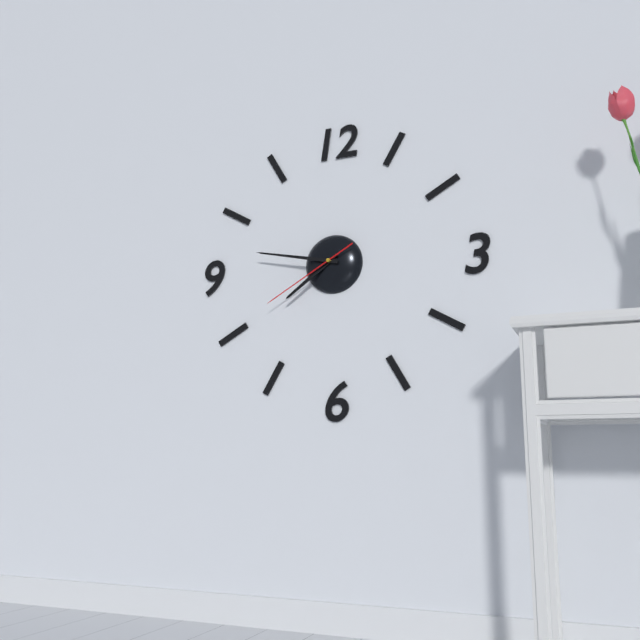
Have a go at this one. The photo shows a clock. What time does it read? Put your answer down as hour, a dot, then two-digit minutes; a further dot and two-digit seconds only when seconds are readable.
7.47.40
